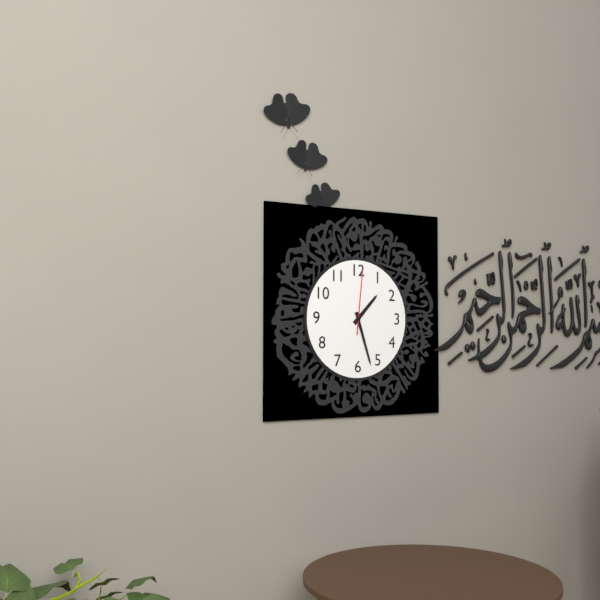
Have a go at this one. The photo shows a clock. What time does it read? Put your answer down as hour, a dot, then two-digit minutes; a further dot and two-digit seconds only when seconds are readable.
1.27.01
